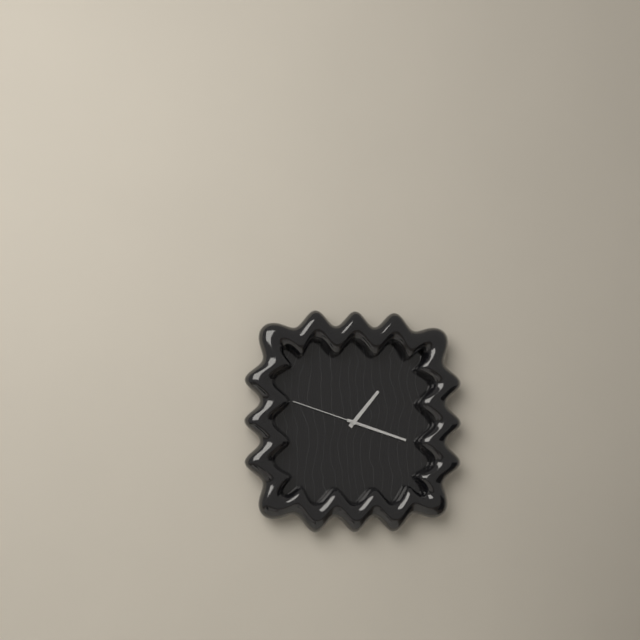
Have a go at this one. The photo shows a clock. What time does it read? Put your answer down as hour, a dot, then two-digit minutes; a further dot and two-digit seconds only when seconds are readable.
1.18.48
